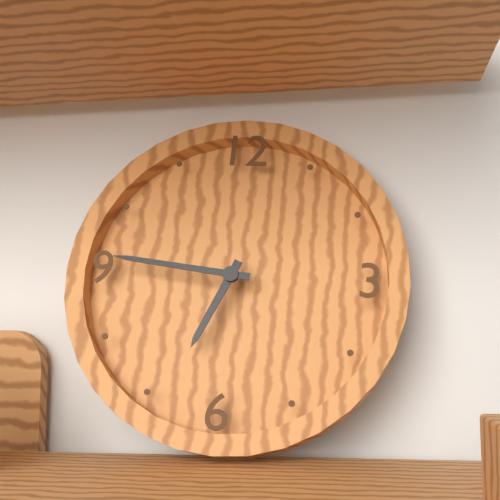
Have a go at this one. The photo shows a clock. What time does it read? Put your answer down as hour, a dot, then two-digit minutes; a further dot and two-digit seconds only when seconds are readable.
6.46
